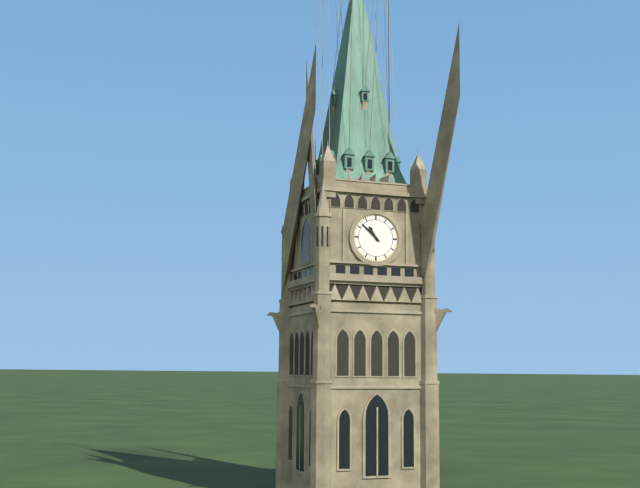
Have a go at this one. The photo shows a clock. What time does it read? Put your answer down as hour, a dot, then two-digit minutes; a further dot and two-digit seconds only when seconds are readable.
10.52
